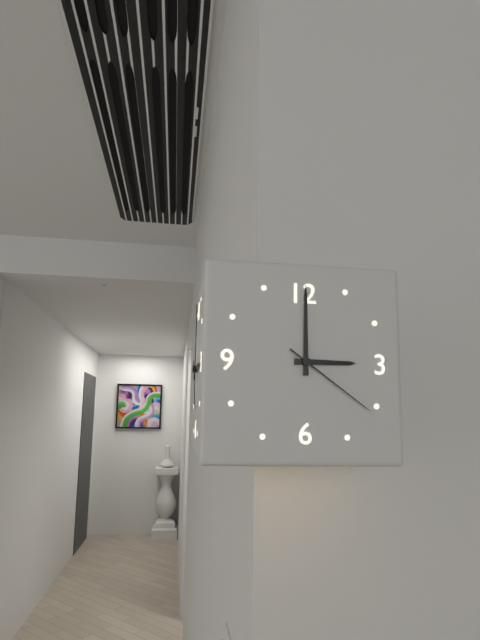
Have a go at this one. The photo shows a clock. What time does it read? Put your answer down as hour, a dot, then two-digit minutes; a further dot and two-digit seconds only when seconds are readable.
3.00.21
